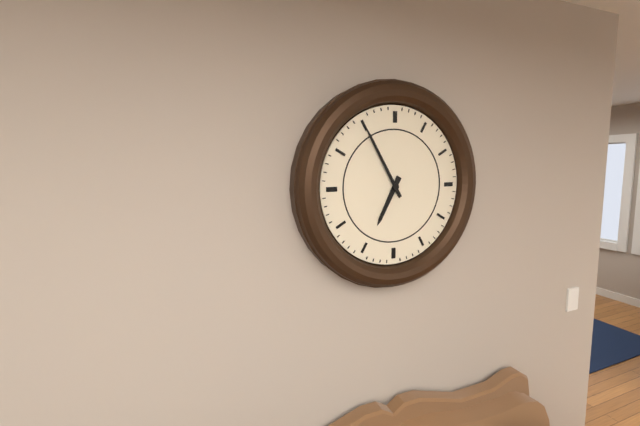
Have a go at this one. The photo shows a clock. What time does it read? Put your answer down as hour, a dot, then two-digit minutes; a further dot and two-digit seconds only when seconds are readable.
6.55
